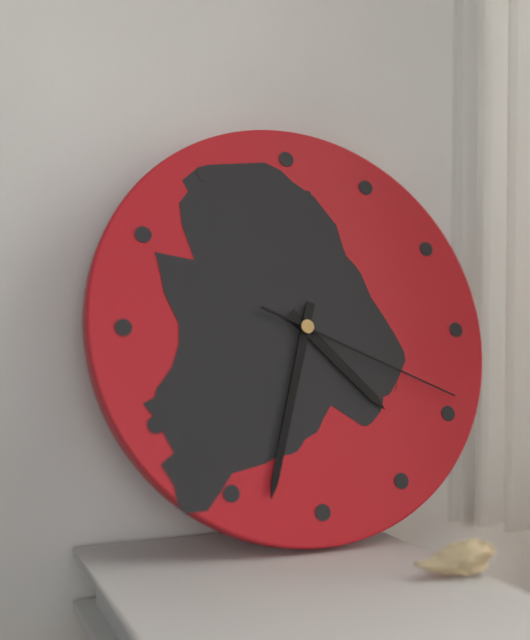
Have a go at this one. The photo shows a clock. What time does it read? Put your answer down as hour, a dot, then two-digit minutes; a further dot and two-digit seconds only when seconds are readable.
4.33.19
